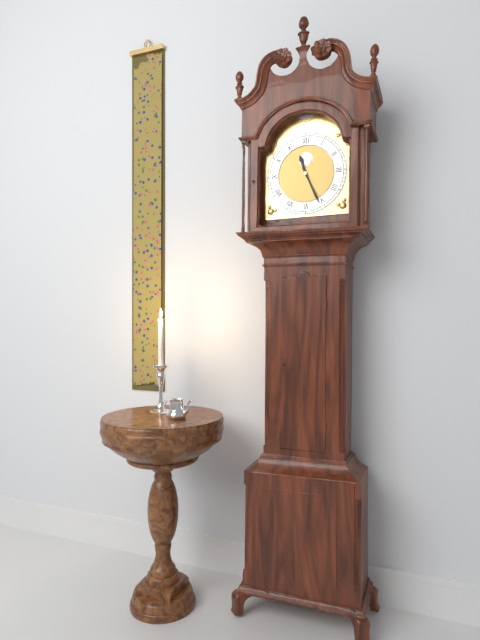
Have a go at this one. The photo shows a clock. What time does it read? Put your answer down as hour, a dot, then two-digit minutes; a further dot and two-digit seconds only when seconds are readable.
11.26
